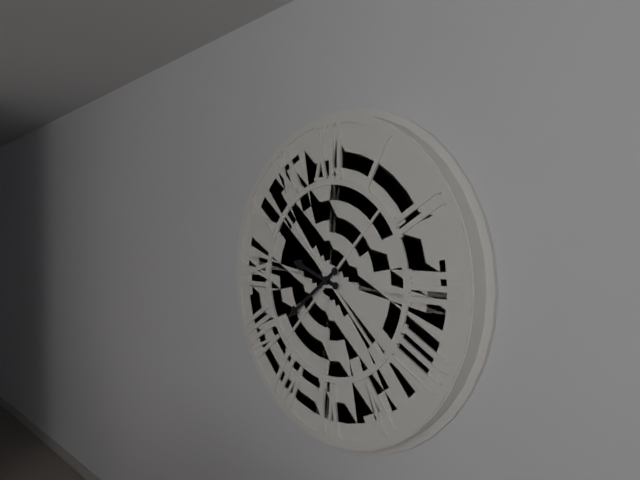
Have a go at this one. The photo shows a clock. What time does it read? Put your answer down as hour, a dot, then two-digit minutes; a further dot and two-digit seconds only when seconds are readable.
9.39
